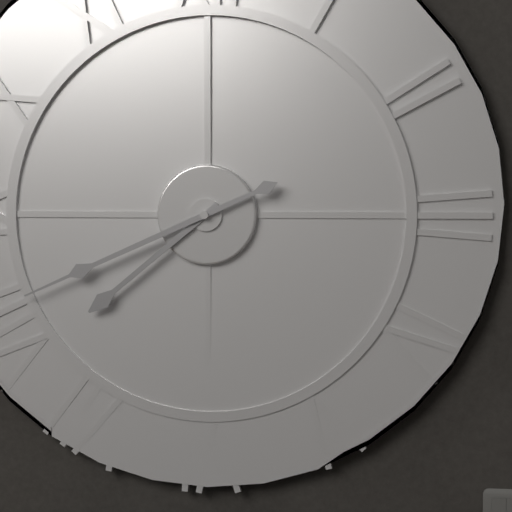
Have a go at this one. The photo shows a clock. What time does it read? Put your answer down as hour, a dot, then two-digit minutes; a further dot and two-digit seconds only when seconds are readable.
7.41
